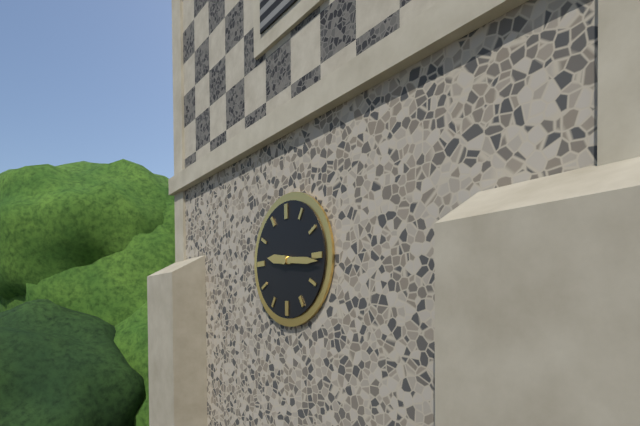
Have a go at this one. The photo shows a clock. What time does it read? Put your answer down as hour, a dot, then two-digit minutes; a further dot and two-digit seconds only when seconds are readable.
9.16
